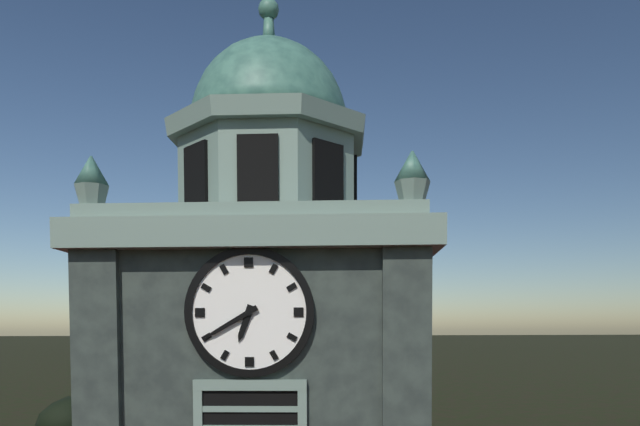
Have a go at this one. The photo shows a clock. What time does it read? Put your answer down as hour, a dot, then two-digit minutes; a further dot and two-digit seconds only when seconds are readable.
6.40
